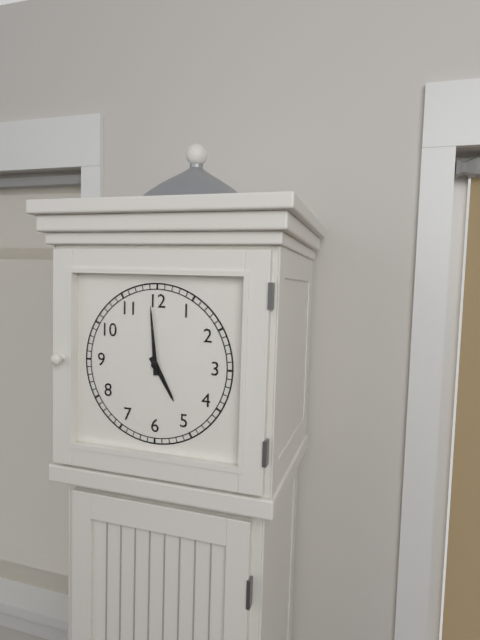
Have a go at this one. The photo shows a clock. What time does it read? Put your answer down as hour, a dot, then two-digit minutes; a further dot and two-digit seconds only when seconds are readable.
4.59
